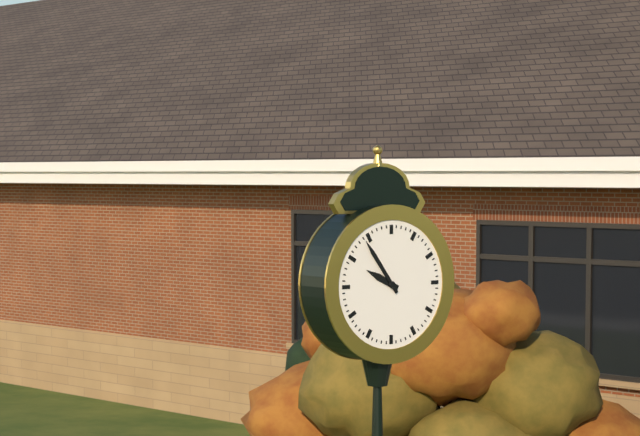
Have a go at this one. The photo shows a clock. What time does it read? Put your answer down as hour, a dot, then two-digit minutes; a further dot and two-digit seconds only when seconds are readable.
9.54
